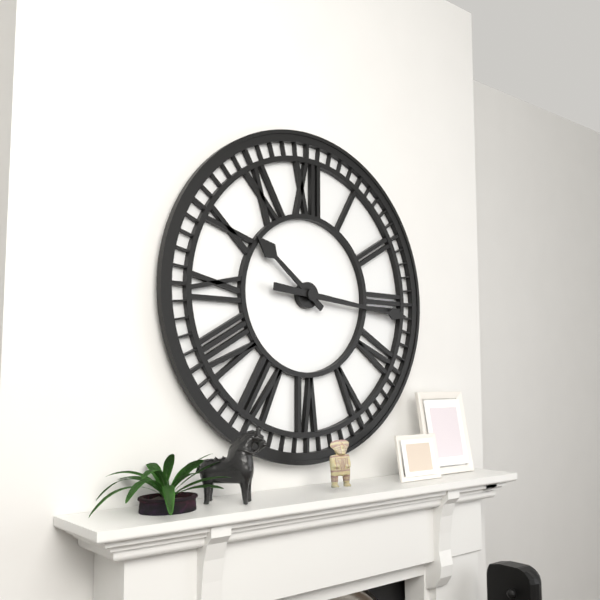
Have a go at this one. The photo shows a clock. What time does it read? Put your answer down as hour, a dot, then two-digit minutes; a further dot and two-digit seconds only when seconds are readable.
10.16
